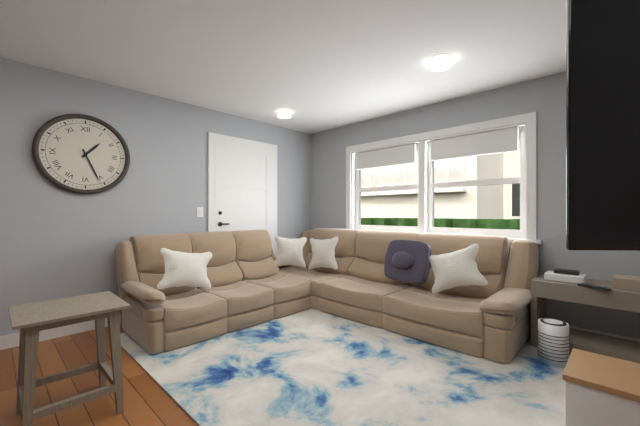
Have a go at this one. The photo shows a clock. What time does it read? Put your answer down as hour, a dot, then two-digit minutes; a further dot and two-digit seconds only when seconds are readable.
1.26
